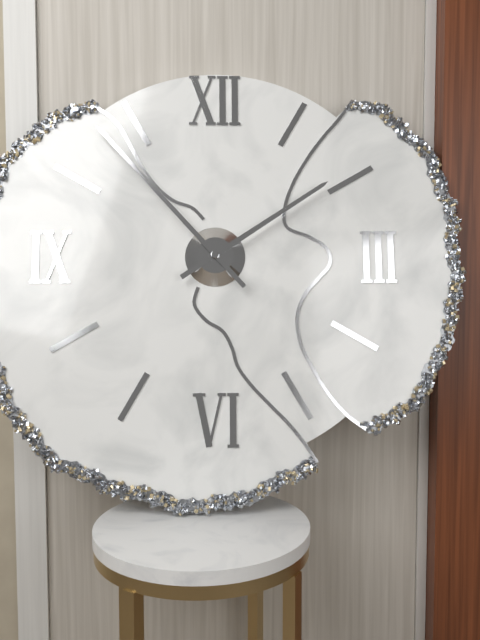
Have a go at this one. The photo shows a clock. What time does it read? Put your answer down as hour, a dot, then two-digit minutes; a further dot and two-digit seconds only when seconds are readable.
1.53
